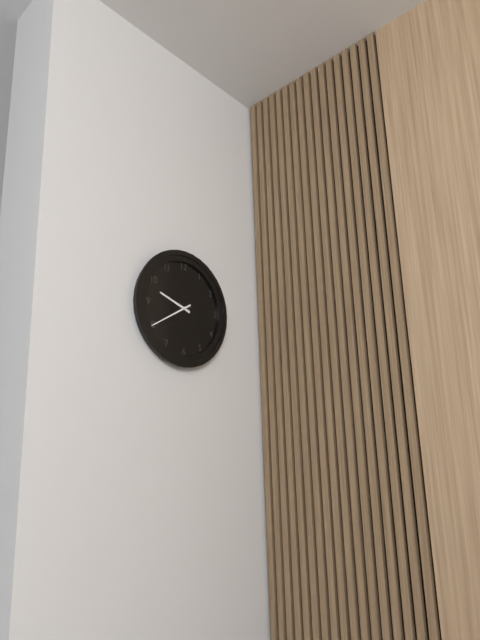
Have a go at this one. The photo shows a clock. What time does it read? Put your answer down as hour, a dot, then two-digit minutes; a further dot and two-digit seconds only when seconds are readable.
9.40
